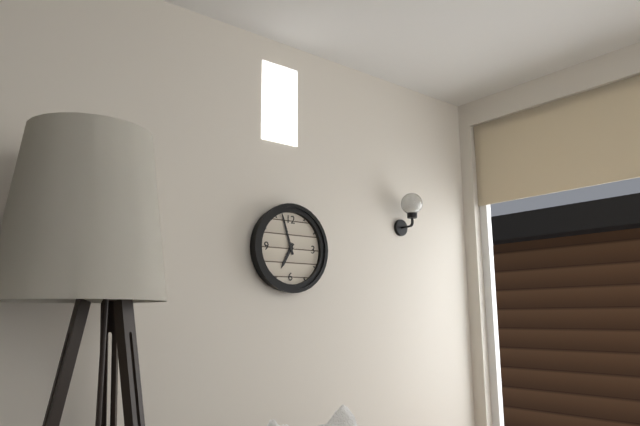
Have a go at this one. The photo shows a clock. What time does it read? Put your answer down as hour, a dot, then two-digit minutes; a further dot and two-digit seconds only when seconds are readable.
6.57
